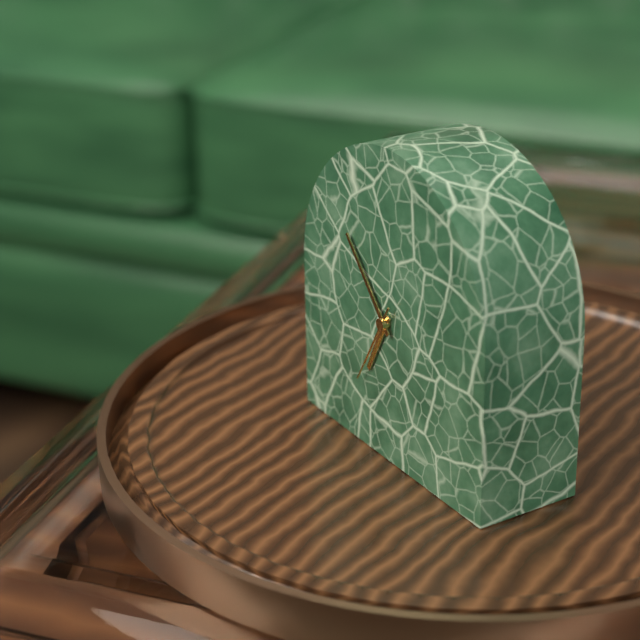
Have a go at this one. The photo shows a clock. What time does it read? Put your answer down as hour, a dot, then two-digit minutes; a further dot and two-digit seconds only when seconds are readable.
6.53.35
